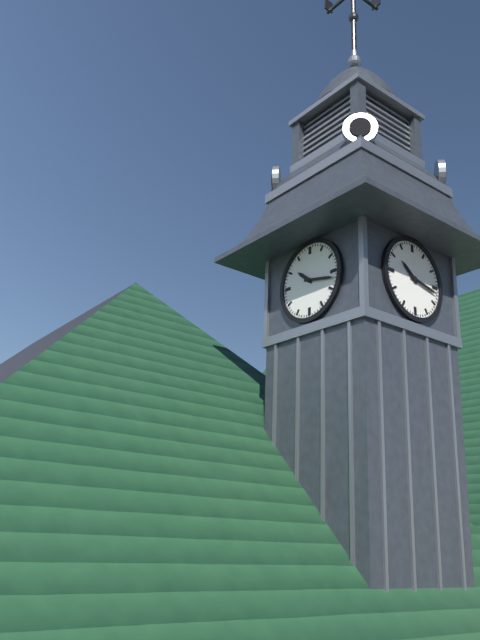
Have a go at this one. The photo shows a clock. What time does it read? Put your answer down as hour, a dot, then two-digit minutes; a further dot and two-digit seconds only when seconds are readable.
10.17
